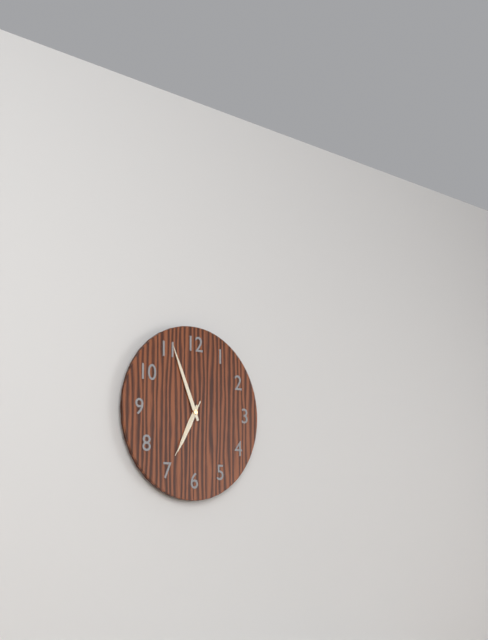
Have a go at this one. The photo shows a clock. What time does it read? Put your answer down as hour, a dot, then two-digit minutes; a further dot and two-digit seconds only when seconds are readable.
6.56.35
